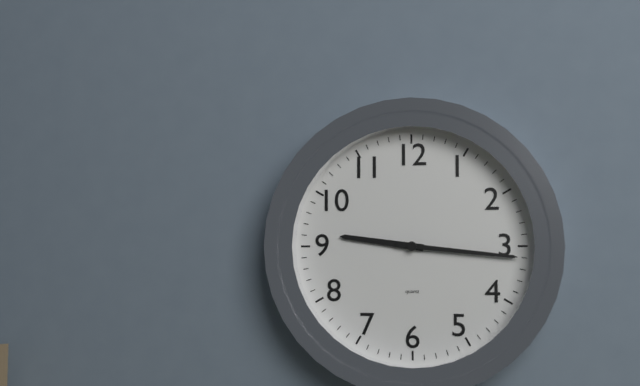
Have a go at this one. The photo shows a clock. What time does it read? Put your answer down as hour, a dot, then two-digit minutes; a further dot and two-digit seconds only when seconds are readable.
9.16
